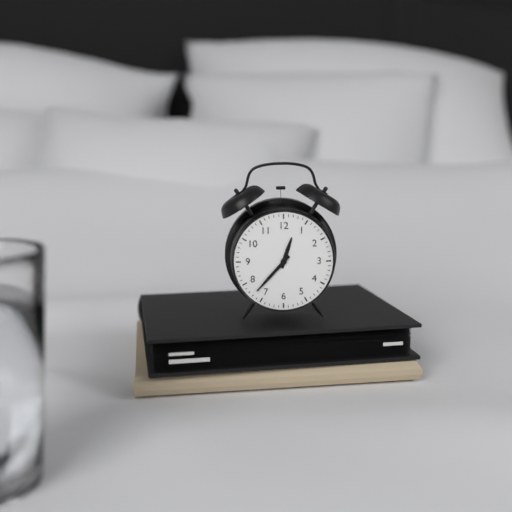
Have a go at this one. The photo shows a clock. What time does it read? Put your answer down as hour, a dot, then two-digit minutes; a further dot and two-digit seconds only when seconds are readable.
12.37
